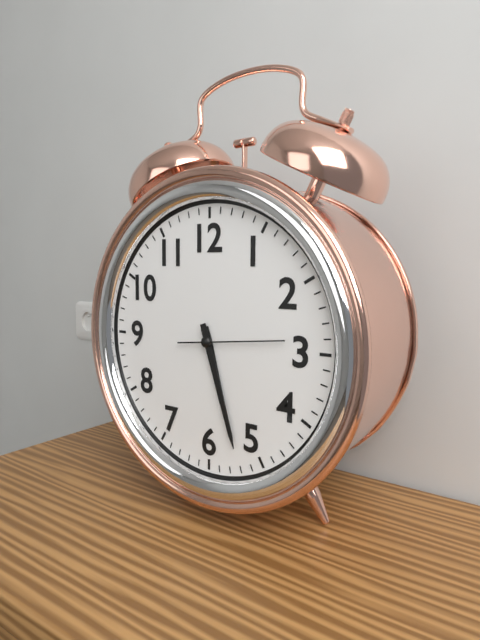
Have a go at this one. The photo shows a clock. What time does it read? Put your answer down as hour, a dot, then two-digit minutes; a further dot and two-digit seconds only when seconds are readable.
5.27.14
